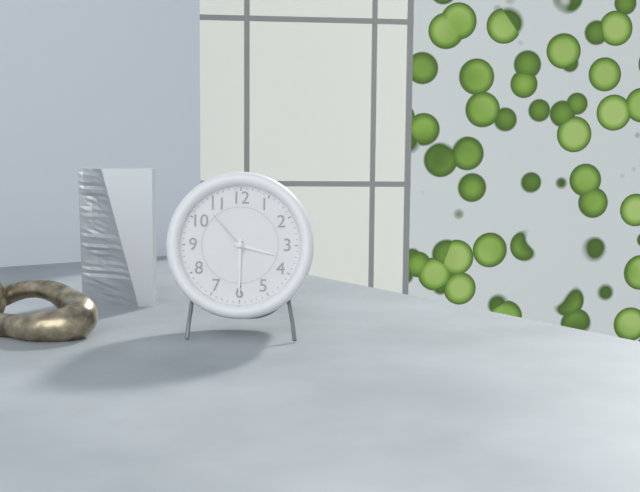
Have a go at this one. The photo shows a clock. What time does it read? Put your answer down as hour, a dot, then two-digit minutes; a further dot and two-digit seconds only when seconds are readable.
3.30.53
